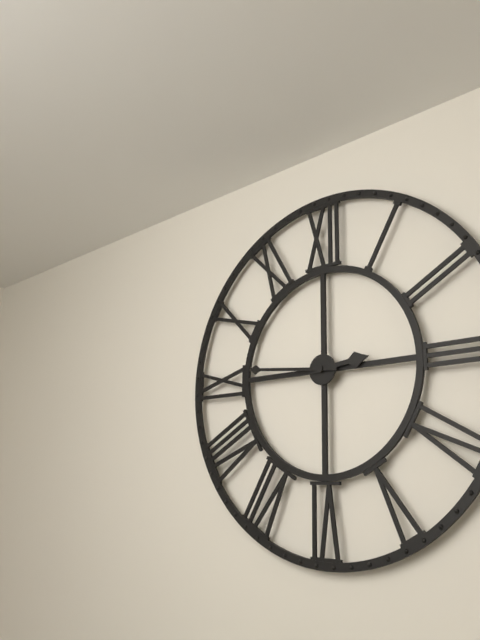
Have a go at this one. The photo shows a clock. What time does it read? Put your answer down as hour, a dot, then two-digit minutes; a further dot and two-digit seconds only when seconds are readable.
2.46
